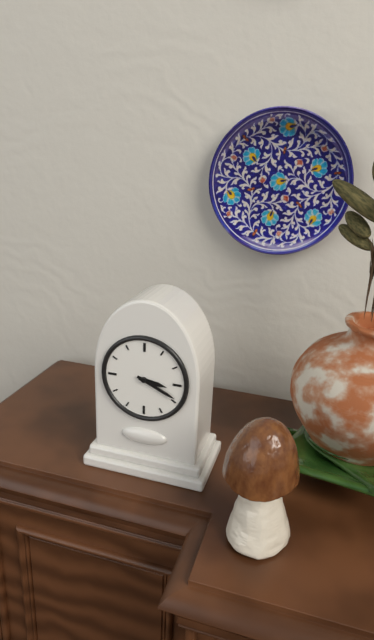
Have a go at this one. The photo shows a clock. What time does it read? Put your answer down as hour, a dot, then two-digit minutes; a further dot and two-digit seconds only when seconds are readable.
3.19
